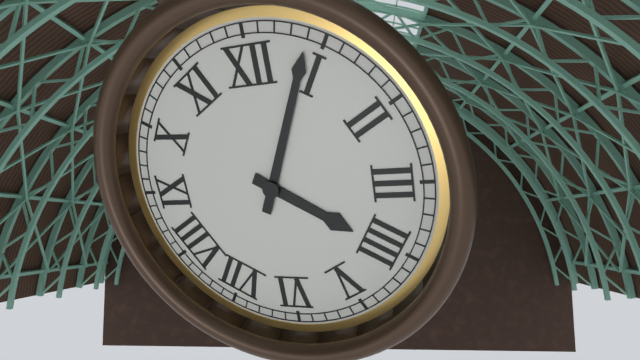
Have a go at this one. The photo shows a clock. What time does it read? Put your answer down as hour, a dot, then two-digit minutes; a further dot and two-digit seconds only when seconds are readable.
4.04
